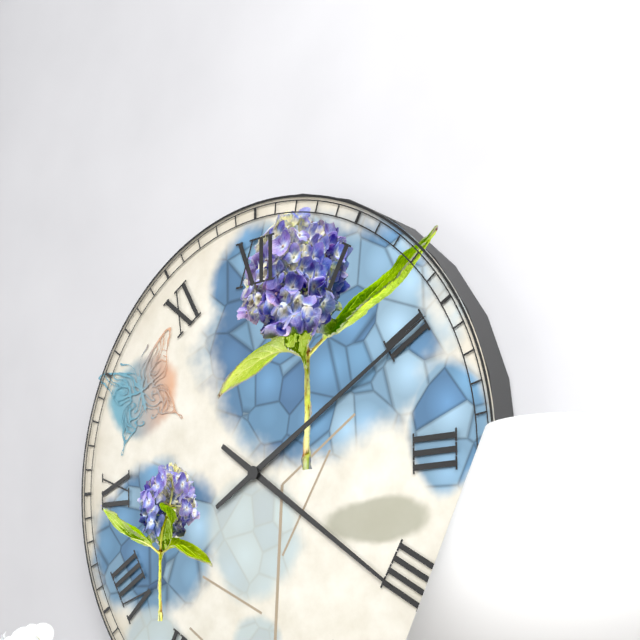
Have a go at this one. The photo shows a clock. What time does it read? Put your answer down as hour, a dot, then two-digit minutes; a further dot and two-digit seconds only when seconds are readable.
4.10
